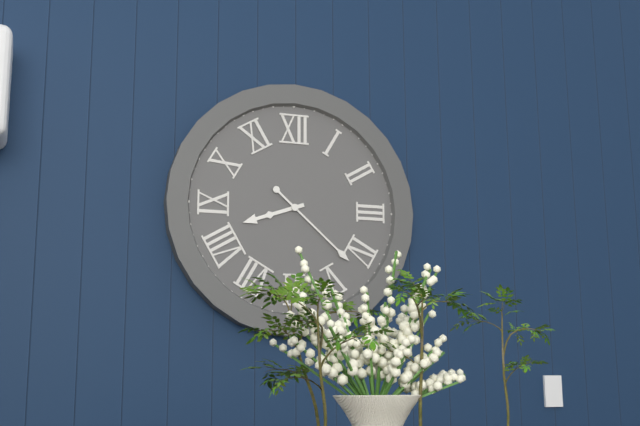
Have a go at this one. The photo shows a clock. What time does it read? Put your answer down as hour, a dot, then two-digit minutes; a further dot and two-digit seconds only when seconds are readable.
8.22
